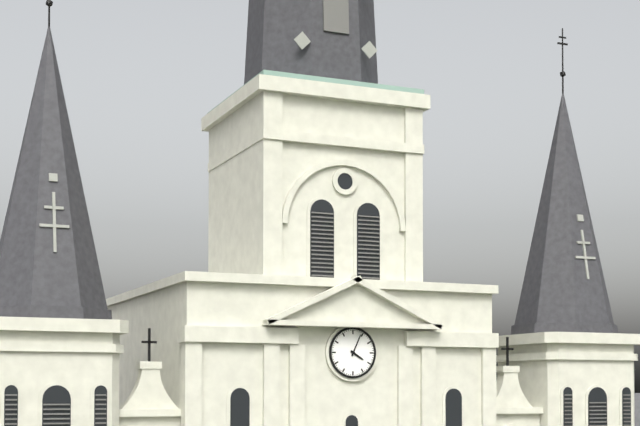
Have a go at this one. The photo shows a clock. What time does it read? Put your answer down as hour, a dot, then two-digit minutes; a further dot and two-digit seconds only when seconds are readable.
4.04
